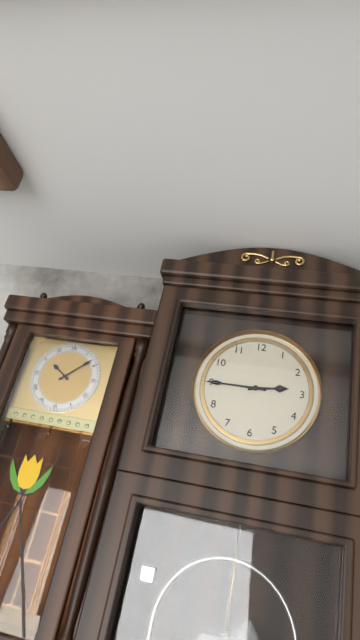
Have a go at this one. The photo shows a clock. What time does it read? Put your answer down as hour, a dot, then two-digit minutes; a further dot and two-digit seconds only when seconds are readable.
2.45
